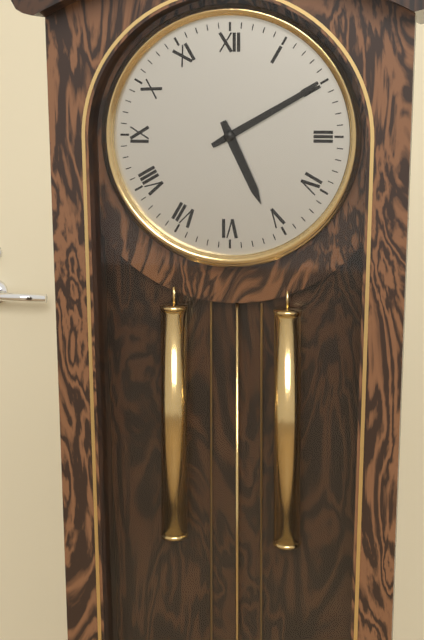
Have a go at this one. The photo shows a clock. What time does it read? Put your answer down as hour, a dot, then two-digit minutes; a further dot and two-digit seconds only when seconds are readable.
5.10
